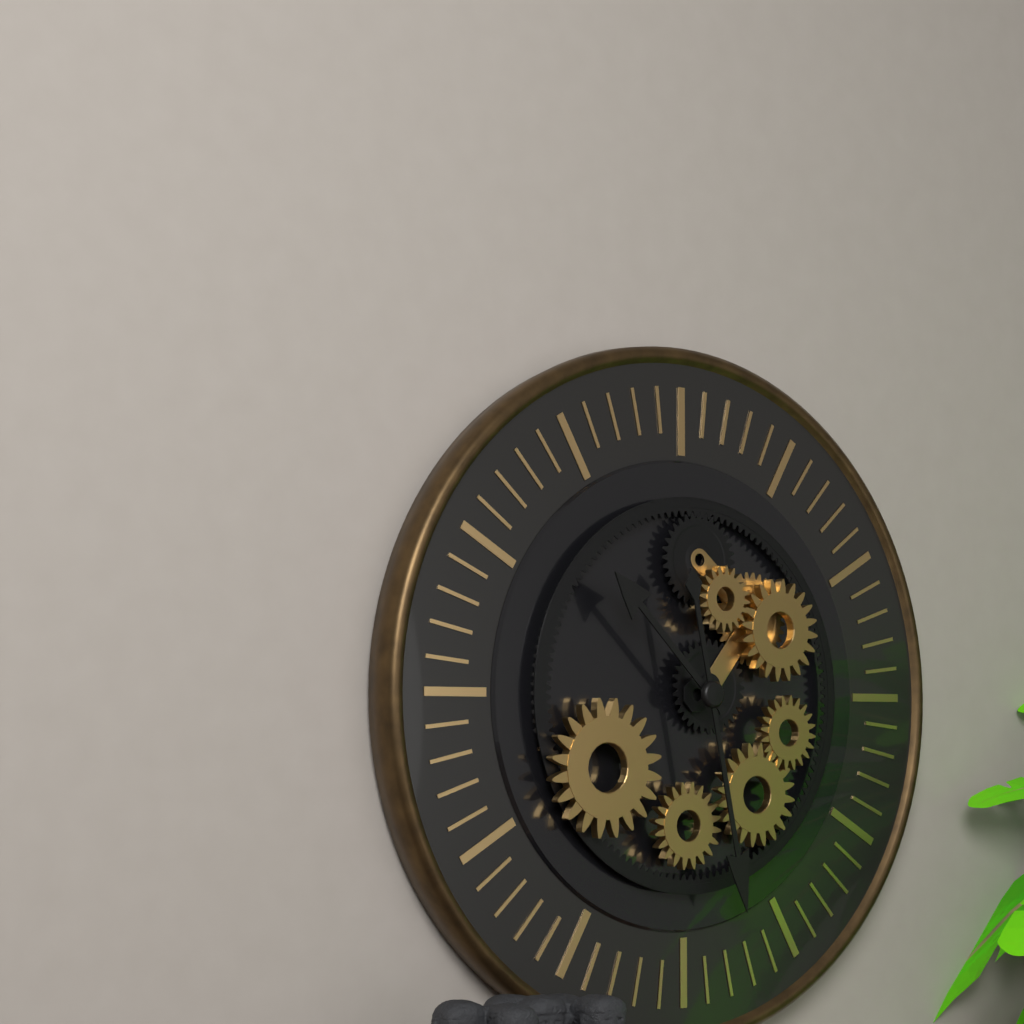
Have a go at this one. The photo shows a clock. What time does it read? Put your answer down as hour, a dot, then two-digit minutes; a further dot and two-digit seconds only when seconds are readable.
10.28
